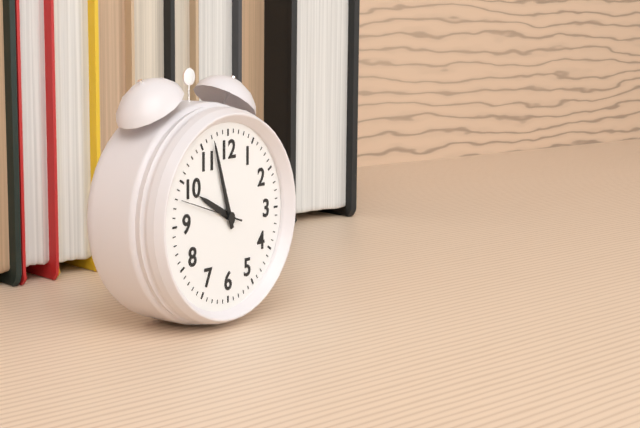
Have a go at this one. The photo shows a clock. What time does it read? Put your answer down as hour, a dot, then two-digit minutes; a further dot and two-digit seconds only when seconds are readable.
9.57.48
